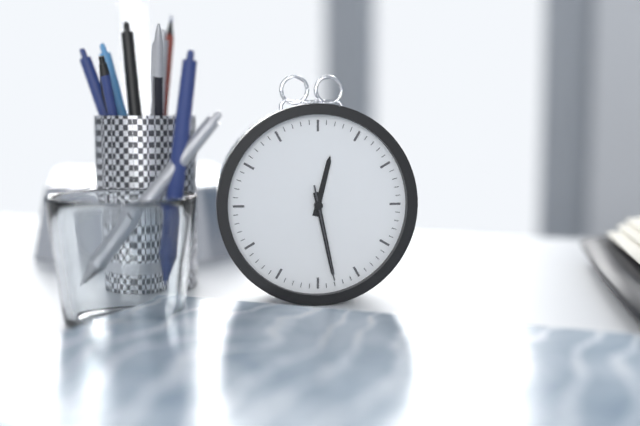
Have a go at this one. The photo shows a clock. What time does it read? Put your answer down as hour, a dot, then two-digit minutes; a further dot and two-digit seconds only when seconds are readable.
12.28.28
